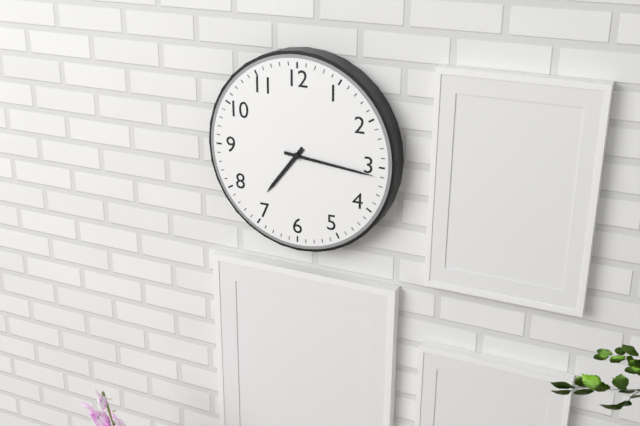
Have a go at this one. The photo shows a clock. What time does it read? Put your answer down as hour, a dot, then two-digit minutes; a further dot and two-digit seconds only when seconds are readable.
7.16
